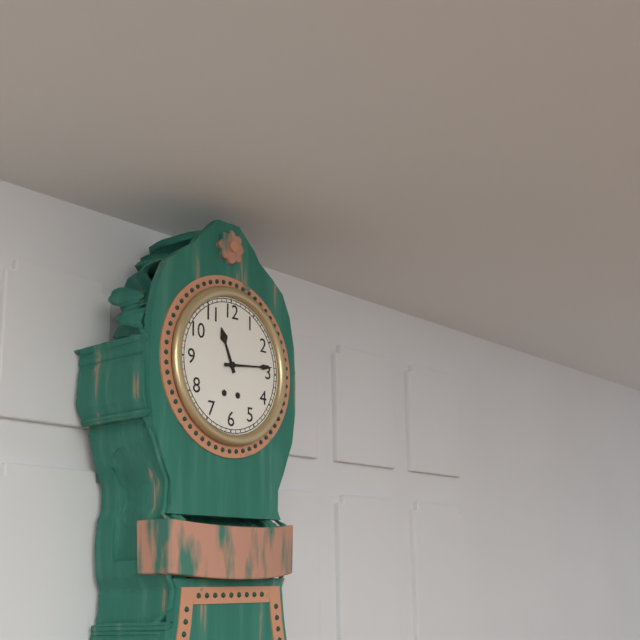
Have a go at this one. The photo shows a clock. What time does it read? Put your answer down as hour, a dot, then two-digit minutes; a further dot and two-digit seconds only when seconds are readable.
11.14
